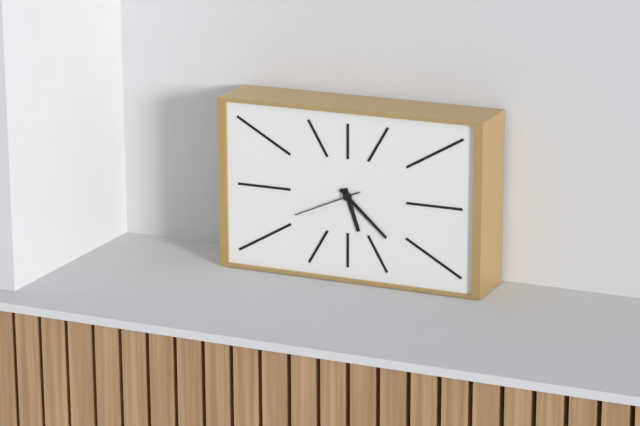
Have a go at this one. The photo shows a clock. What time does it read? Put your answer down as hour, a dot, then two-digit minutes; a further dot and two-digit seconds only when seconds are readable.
5.22.41
